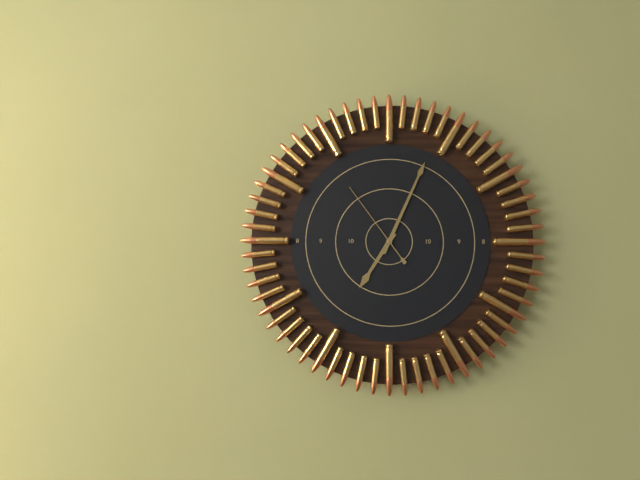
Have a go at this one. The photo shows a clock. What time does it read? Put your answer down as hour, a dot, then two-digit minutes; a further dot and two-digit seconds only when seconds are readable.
7.04.54
